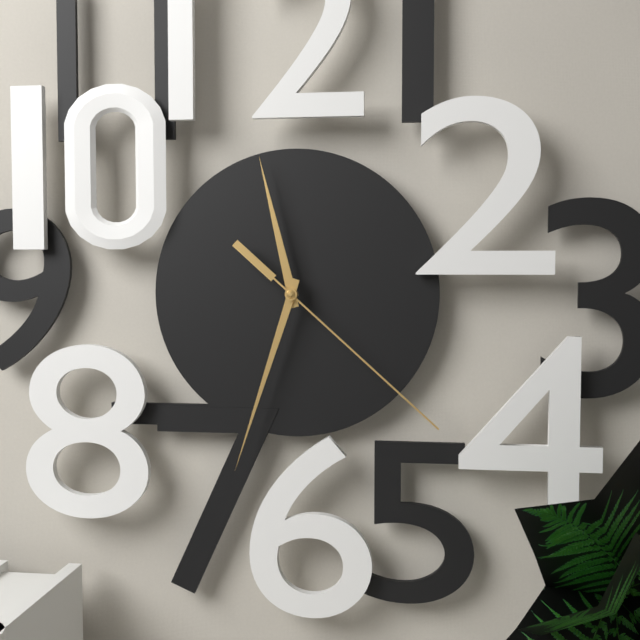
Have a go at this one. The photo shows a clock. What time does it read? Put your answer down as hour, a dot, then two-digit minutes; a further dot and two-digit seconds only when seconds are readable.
11.33.22
